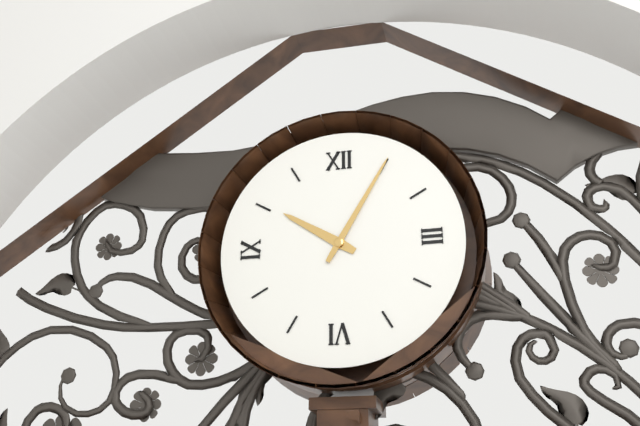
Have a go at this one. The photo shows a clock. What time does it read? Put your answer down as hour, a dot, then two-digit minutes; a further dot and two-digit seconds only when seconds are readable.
10.05
